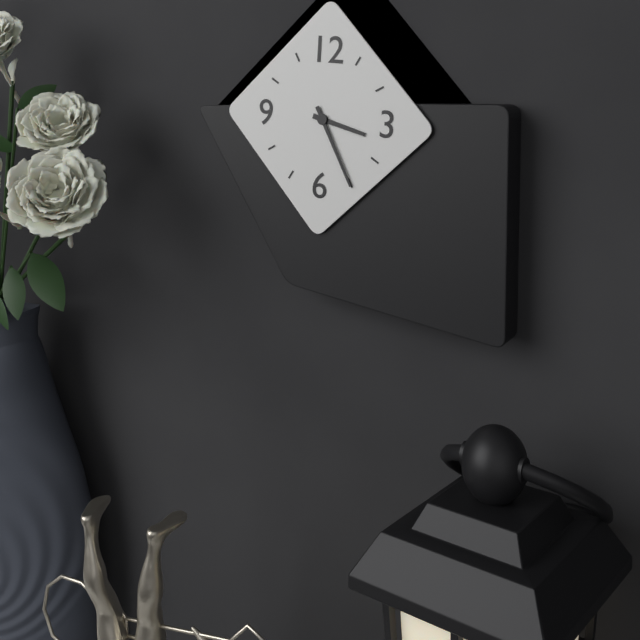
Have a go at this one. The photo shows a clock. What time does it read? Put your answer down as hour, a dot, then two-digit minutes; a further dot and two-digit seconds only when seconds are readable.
3.25
